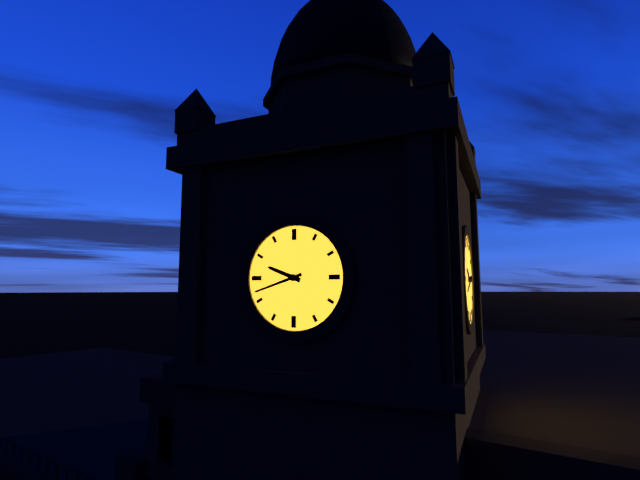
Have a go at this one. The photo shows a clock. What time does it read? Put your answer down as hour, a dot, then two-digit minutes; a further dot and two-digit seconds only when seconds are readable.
9.42
